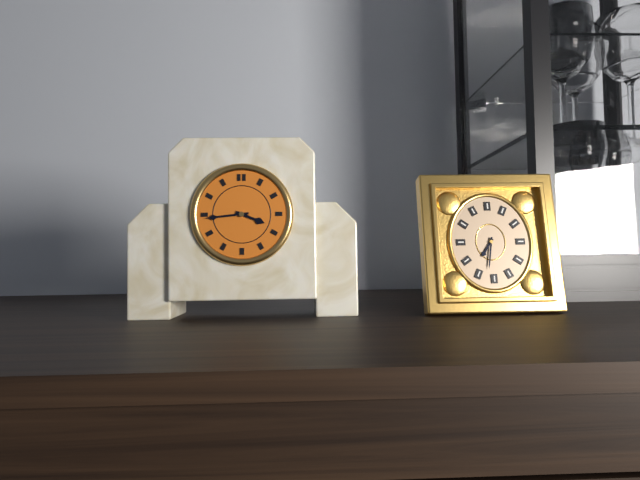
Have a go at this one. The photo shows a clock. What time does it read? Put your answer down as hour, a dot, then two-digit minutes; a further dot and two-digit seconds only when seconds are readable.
3.44
